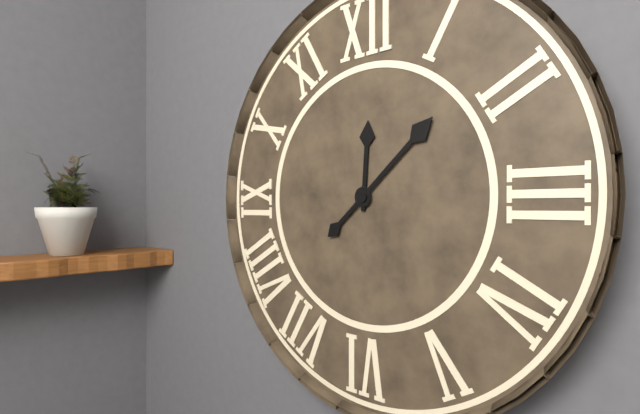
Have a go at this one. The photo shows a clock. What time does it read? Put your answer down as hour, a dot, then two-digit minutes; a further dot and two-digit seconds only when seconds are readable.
12.08
